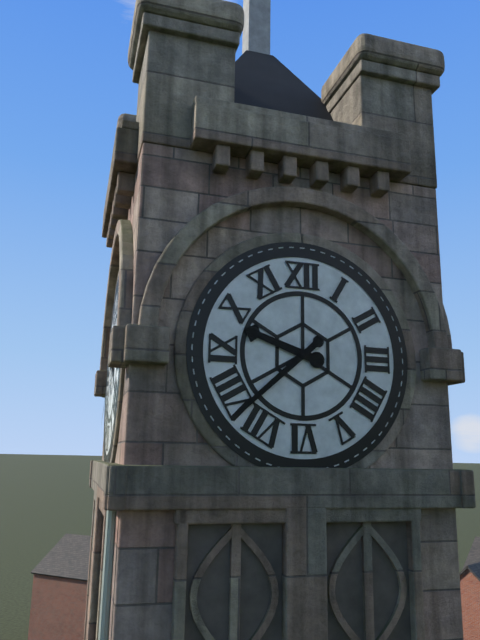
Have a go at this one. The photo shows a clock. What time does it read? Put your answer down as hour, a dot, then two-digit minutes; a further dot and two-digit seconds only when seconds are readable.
9.38
